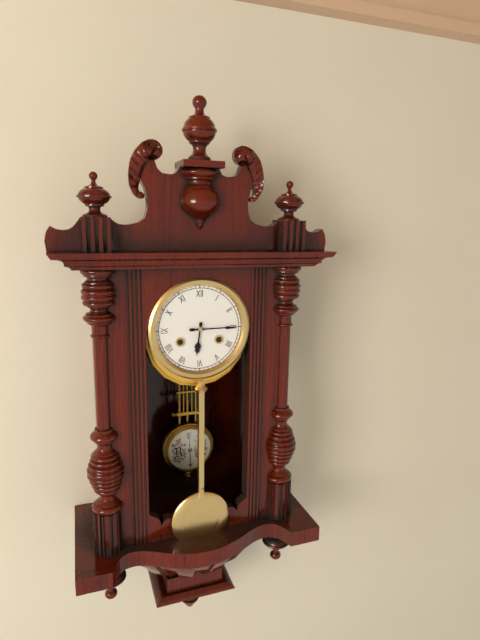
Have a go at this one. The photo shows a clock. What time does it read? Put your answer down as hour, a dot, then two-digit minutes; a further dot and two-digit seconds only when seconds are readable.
6.15
